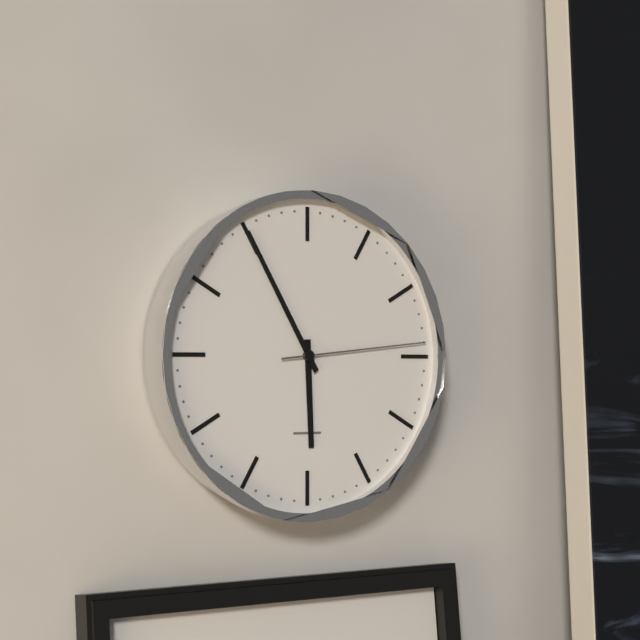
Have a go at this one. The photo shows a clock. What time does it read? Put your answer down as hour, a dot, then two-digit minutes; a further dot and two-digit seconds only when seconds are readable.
5.55.14
